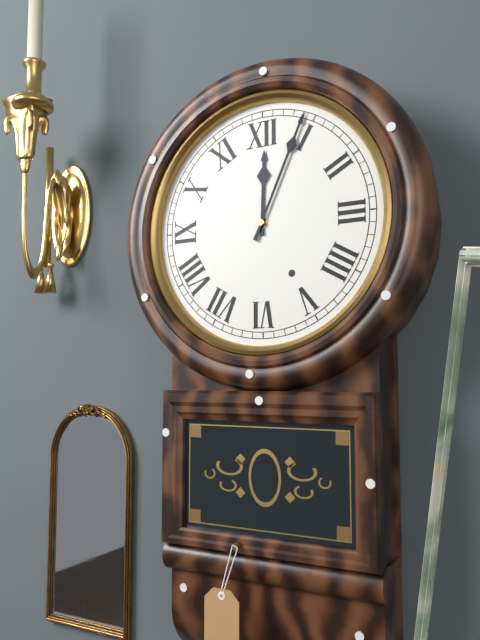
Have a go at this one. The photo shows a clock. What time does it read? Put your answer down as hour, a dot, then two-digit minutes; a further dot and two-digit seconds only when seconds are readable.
12.04
